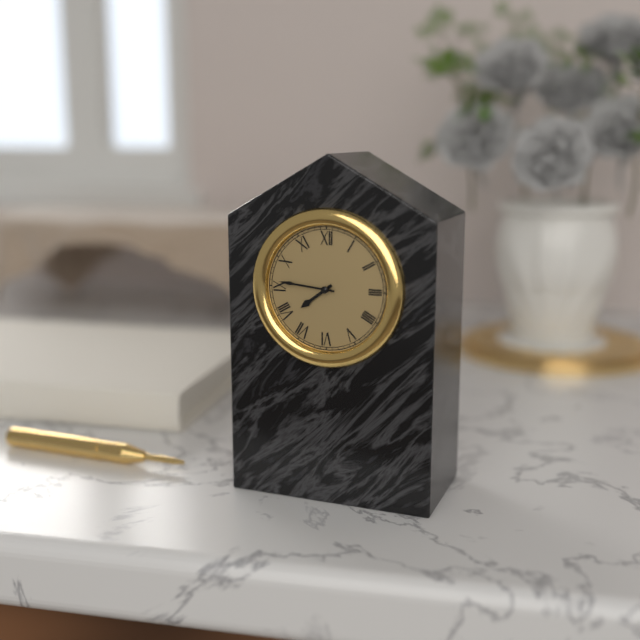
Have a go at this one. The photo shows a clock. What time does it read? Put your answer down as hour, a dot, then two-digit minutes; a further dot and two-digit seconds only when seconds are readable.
7.46
